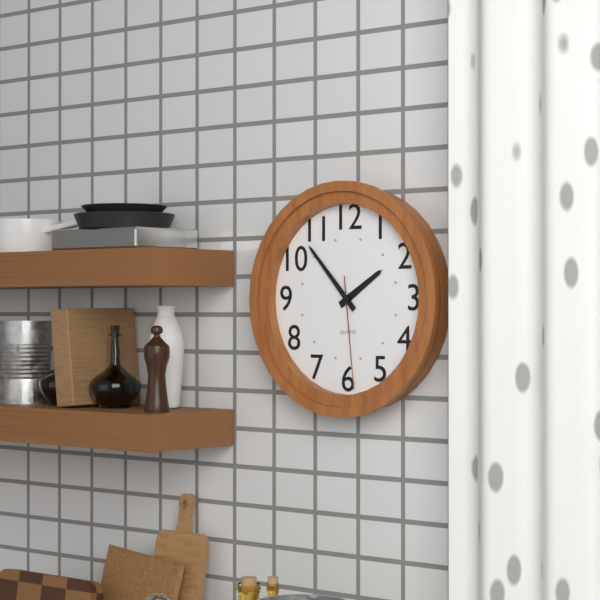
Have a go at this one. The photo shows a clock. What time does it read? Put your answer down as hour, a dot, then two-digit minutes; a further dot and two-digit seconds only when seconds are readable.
1.53.29
